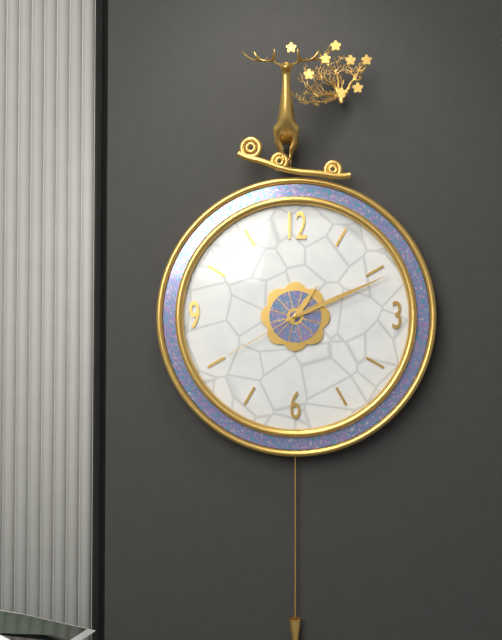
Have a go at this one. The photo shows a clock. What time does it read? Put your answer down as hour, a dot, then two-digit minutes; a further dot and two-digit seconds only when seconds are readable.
1.11.40
